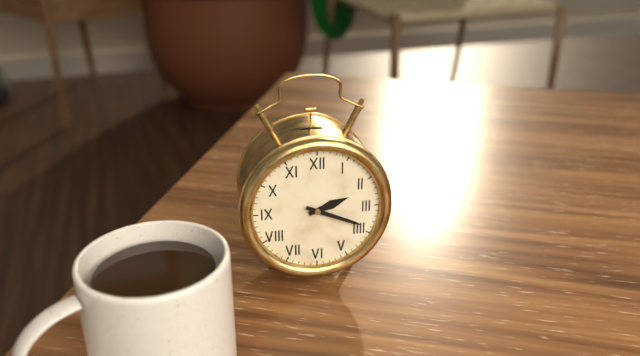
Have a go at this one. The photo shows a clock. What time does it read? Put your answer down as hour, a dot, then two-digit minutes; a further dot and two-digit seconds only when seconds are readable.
2.19
